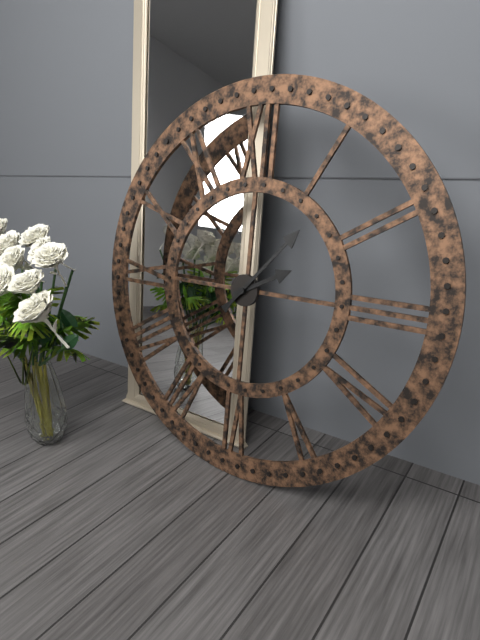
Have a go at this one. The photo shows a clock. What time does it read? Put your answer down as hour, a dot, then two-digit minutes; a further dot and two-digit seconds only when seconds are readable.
2.07
